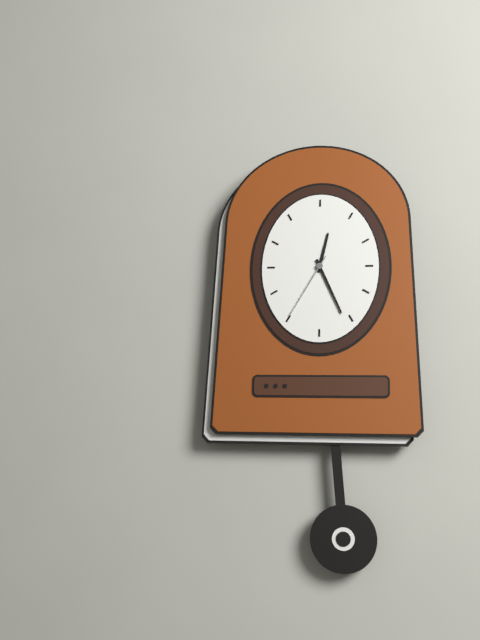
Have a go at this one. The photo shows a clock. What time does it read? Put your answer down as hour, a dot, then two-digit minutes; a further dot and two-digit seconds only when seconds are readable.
12.26.35
